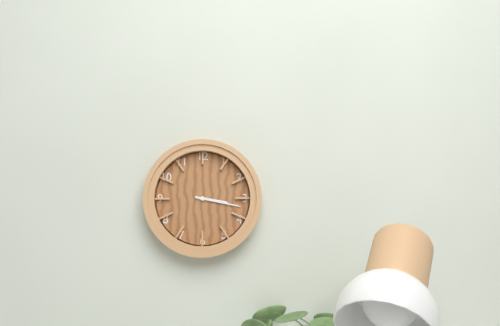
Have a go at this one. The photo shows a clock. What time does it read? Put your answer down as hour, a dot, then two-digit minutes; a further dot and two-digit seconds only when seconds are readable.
3.17
